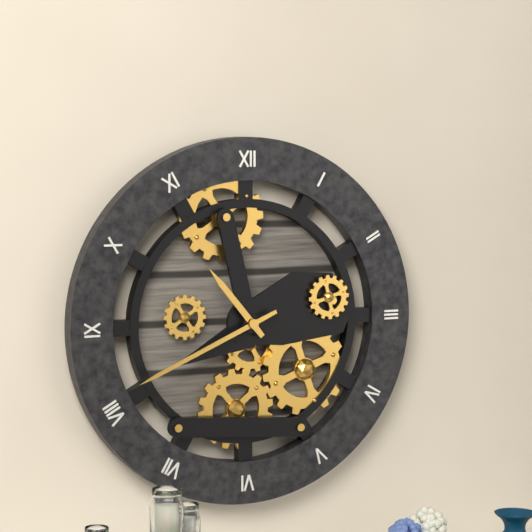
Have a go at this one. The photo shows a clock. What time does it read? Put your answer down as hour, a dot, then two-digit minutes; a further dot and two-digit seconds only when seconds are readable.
10.41
